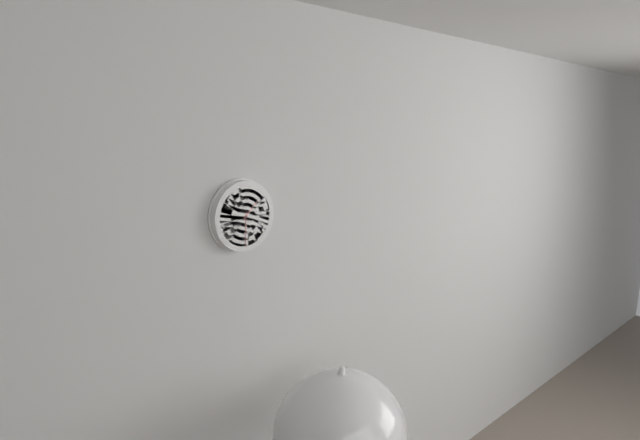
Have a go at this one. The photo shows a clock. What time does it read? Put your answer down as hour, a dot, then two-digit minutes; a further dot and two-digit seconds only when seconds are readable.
1.30
